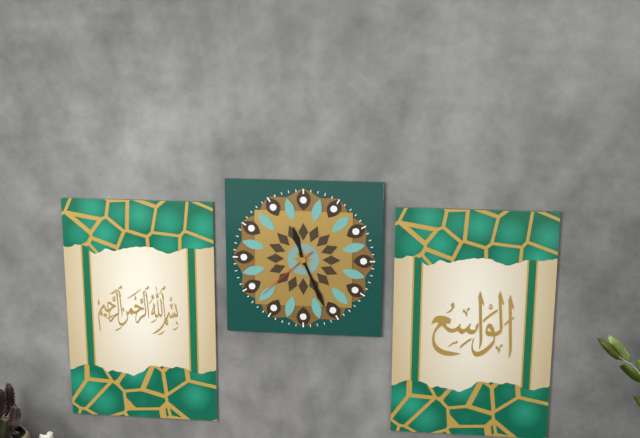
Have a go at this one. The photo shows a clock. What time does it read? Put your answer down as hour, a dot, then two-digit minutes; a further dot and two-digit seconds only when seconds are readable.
11.26.38
